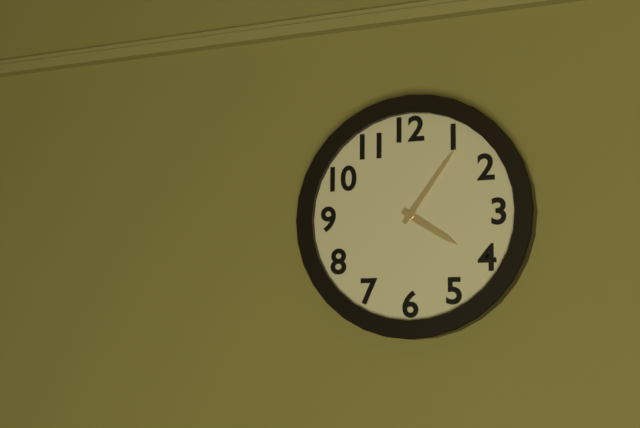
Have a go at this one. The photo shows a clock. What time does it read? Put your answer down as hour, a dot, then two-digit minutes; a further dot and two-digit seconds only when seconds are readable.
4.06
